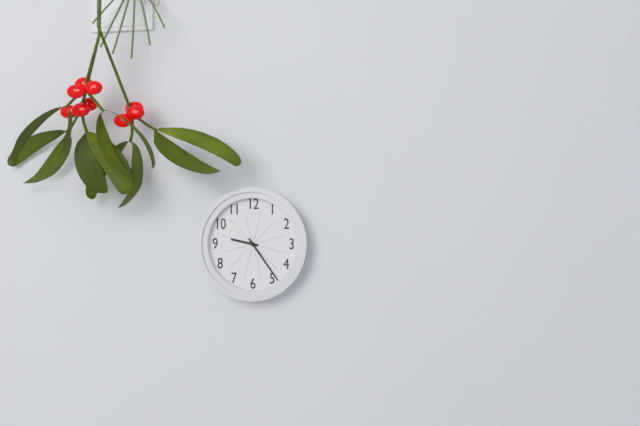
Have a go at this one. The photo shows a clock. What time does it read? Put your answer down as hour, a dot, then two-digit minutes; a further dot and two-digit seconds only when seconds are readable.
9.24
